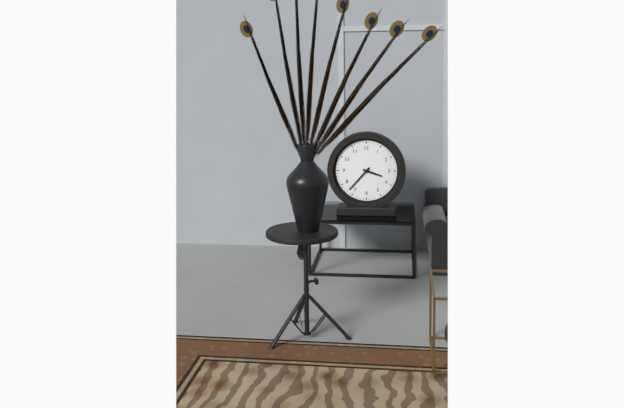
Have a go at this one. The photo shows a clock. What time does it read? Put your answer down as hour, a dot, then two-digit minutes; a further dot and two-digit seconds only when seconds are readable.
3.37
